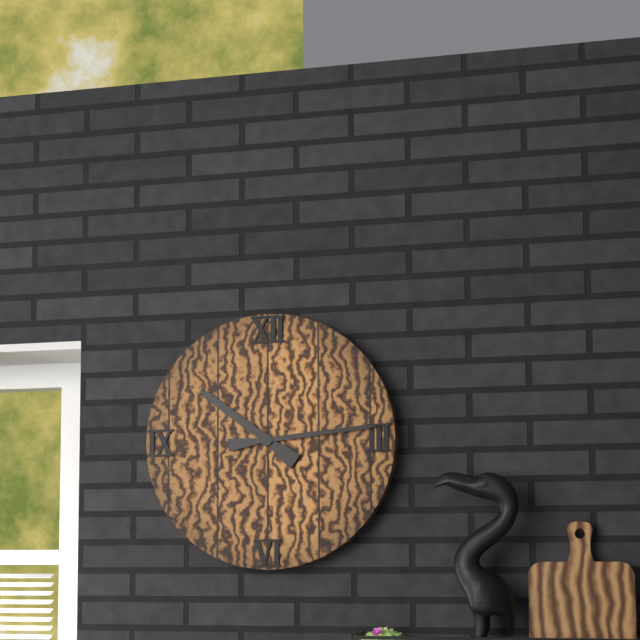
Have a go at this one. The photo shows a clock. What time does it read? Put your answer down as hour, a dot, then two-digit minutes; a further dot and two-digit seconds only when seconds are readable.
10.14
